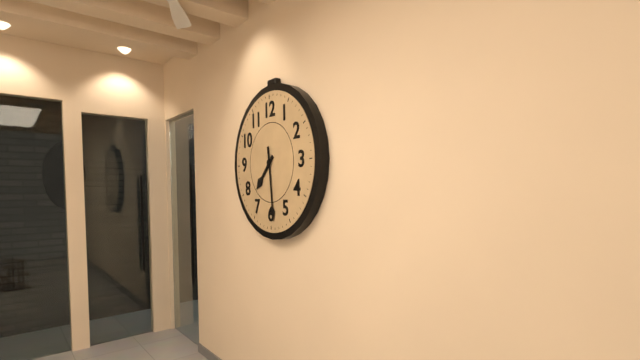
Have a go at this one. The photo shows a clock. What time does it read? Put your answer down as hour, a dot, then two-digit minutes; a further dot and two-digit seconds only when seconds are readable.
7.29
